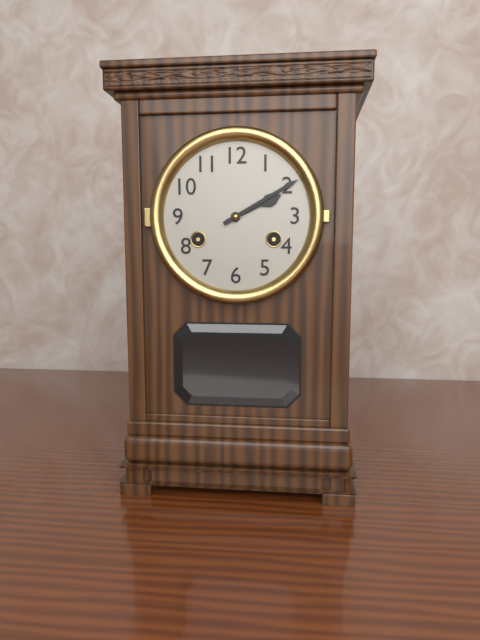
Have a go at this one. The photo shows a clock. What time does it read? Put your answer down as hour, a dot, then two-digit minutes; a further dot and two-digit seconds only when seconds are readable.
2.10
